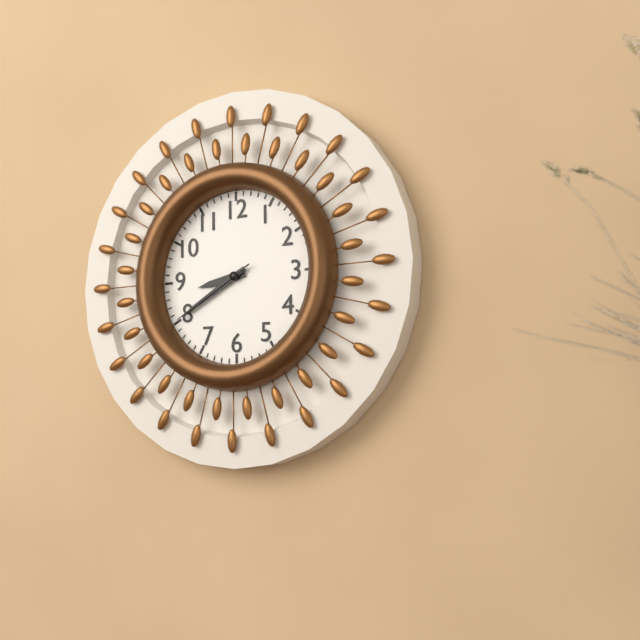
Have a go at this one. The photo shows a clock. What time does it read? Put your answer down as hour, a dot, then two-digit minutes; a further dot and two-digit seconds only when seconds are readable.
8.40.40
